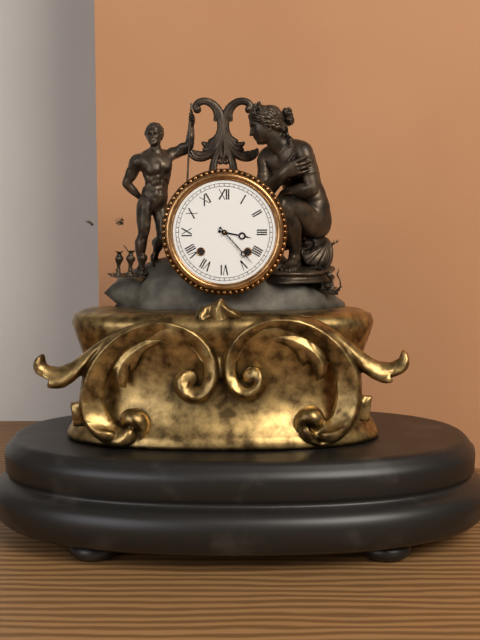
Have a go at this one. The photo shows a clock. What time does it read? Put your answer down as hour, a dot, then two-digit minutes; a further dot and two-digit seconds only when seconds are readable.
3.23
